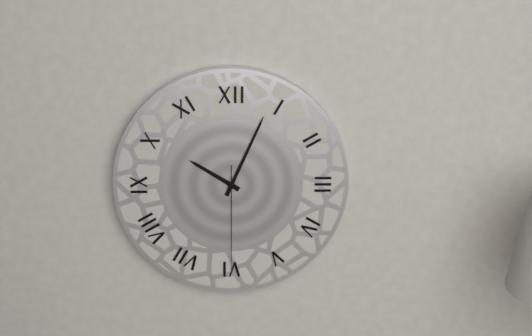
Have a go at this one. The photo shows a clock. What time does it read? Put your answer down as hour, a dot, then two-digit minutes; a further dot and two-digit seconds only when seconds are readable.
10.04.30
